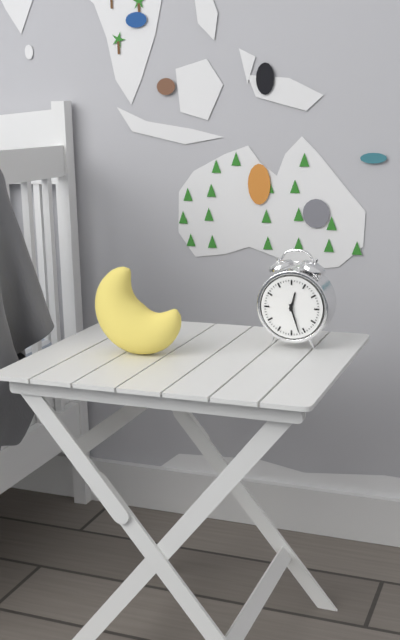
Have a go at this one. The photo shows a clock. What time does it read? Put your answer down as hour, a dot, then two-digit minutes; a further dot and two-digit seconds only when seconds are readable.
12.27
